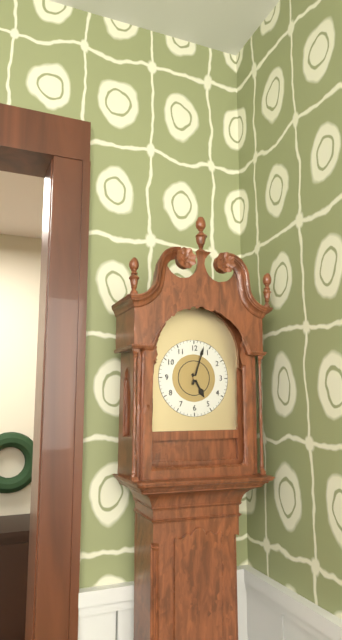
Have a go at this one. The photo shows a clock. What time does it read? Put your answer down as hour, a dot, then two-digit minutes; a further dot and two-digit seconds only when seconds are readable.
5.03
